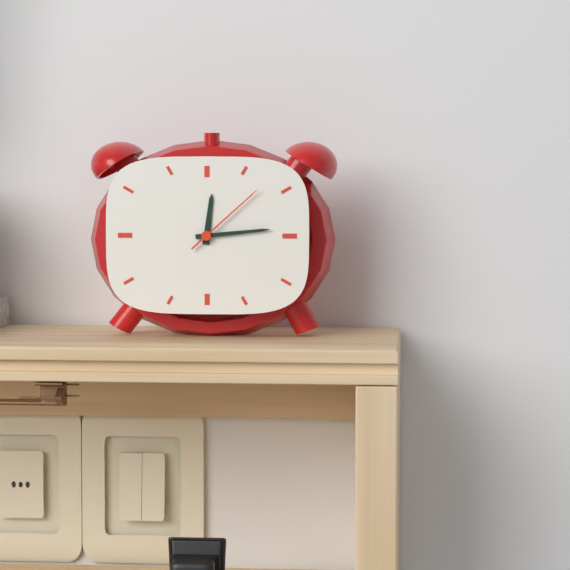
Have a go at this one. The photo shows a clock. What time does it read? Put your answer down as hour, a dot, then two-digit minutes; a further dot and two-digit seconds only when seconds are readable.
12.14.08
